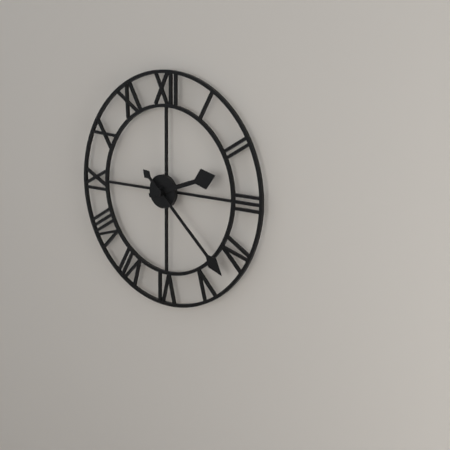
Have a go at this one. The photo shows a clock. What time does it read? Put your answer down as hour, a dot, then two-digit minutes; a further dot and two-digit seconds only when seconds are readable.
2.22
